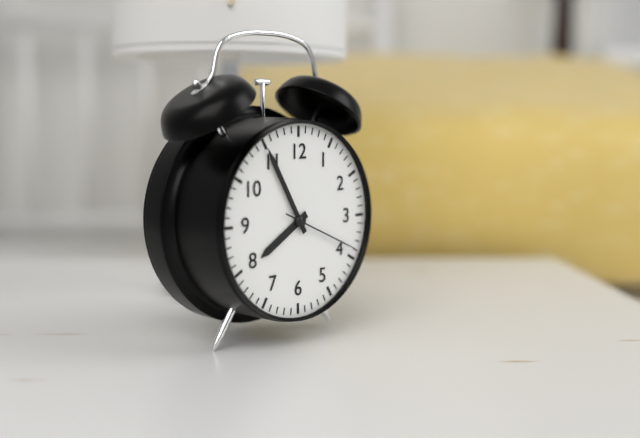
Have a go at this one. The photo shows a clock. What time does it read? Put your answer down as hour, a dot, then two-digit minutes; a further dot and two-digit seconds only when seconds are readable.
7.55.19
